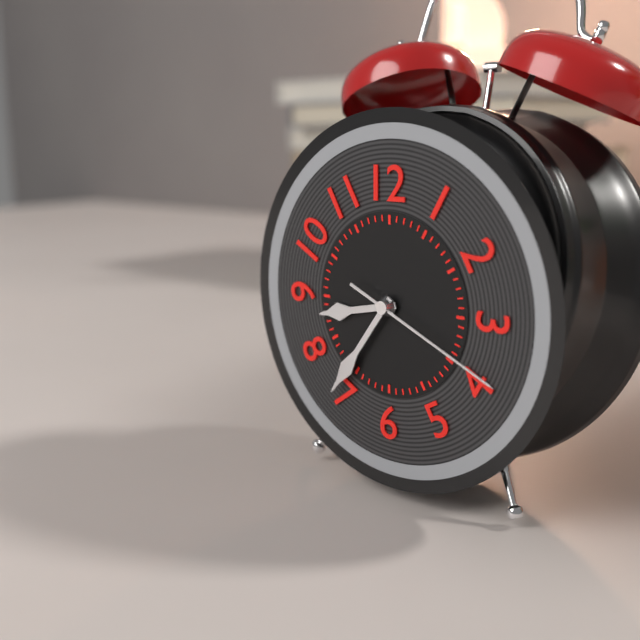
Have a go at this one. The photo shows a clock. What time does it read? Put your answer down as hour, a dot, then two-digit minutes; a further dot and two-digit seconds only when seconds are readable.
8.36.19
